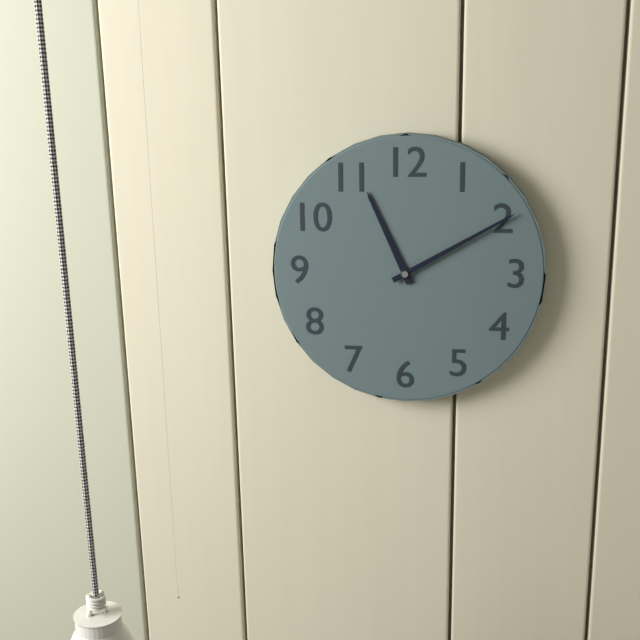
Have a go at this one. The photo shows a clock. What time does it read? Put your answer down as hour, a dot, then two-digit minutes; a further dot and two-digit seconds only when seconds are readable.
11.10
